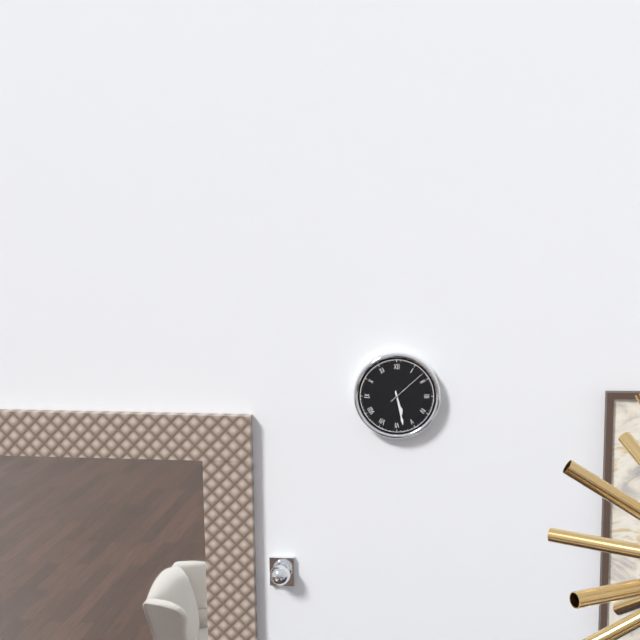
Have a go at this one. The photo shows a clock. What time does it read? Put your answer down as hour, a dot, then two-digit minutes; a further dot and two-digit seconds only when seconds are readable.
5.28
